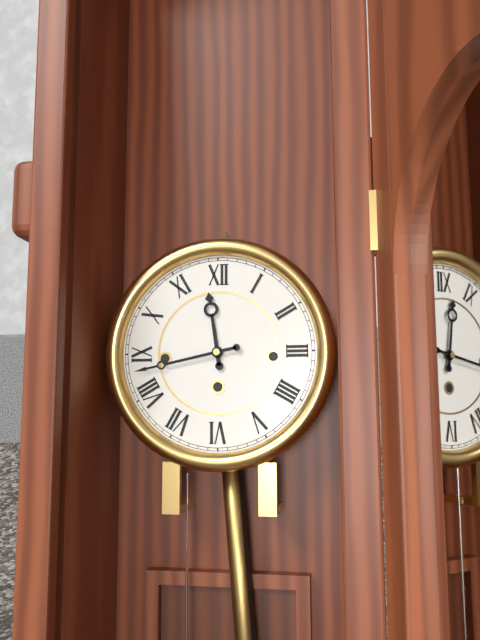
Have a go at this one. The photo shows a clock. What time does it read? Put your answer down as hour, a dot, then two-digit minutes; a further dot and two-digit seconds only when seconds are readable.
11.43
